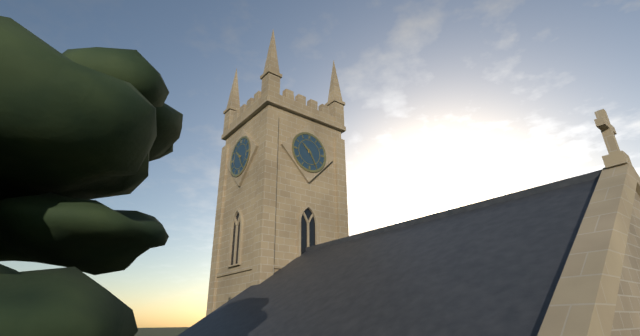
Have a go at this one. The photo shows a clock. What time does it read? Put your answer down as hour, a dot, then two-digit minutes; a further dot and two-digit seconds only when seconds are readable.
10.25
